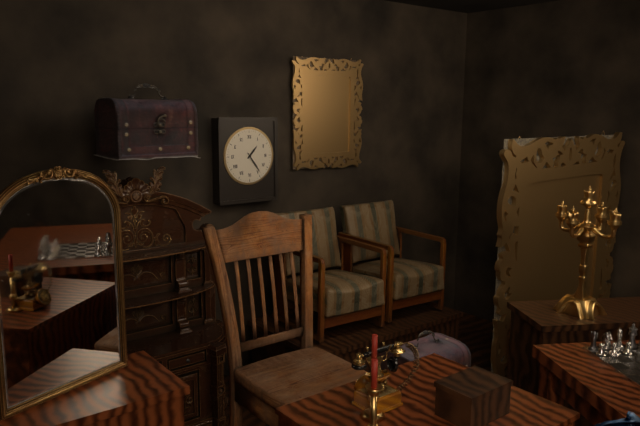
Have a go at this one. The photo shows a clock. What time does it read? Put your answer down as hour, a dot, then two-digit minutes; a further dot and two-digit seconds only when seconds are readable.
1.24
